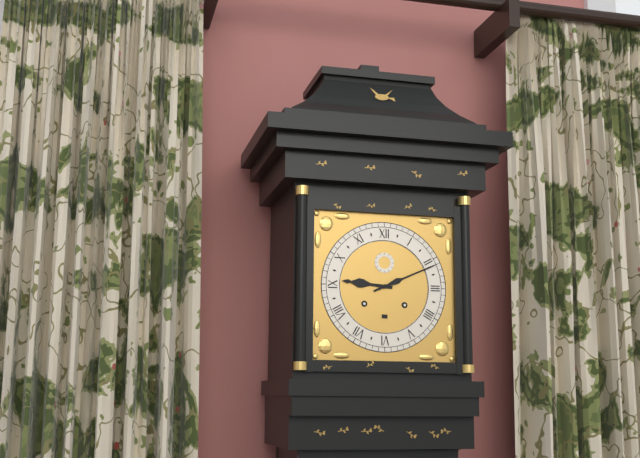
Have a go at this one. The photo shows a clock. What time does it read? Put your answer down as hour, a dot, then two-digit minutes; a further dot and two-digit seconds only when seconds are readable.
9.11
